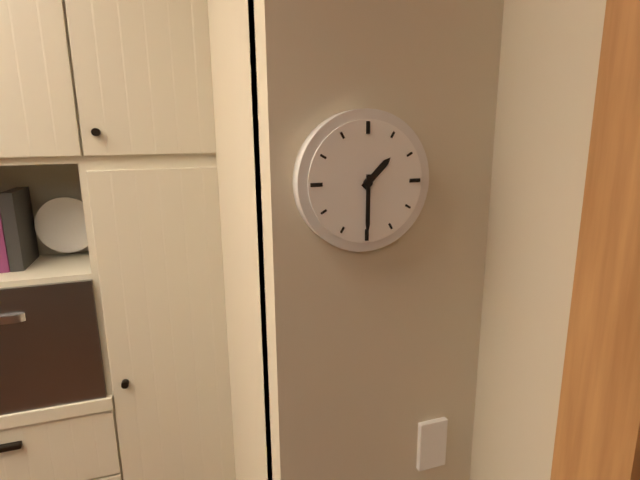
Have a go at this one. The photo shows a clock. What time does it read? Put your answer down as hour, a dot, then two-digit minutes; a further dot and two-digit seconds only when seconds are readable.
1.30
